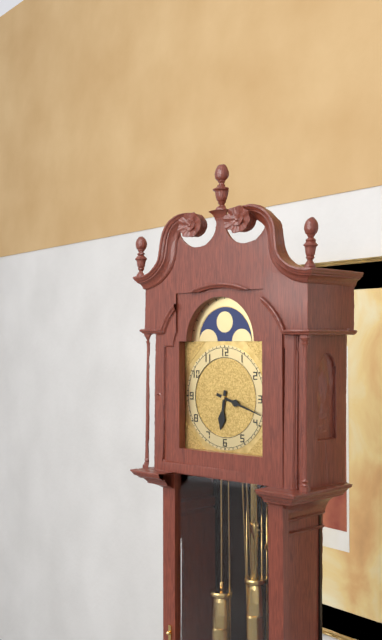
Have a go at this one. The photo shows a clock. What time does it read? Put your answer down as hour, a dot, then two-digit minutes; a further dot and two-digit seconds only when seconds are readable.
6.18
